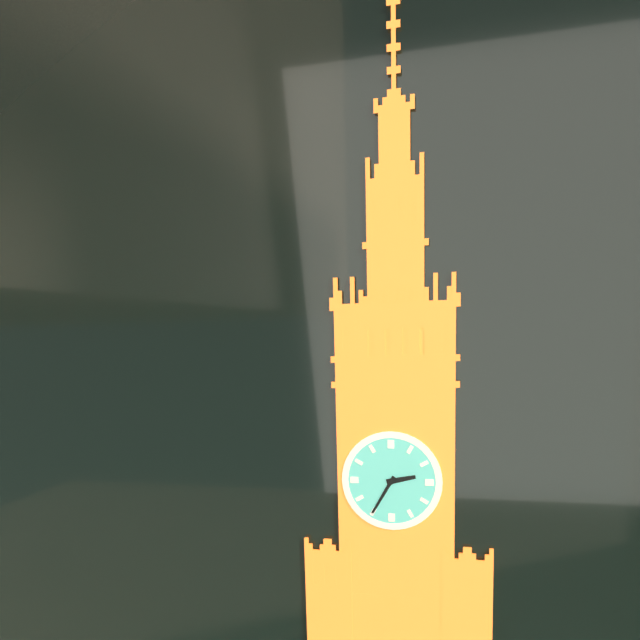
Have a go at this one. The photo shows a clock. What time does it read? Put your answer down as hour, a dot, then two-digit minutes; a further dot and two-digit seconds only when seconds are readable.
2.35
